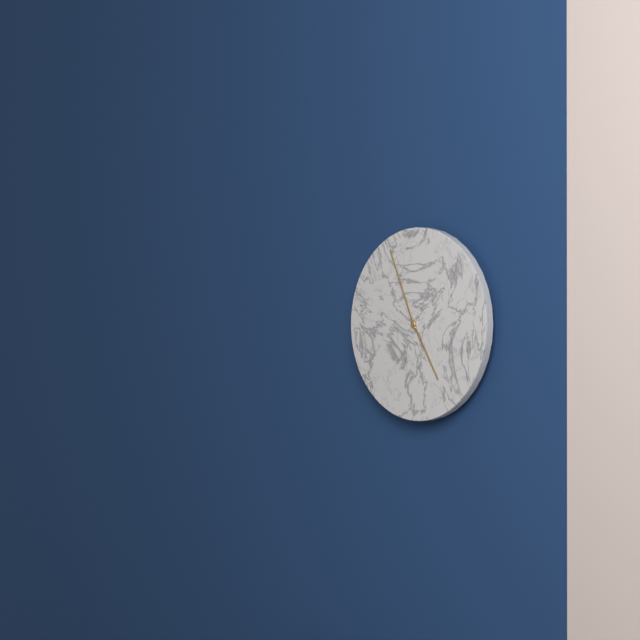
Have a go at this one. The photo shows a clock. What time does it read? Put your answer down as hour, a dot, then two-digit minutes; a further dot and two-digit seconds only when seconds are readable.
4.56
